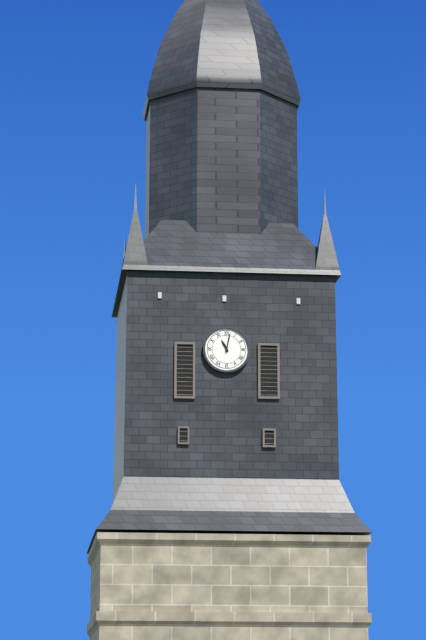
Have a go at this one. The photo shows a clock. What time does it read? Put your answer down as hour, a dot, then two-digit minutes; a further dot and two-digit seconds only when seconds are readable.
11.02
